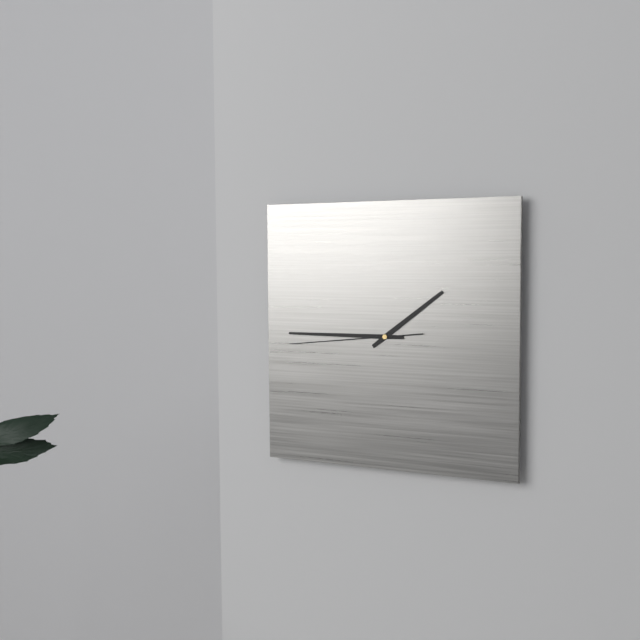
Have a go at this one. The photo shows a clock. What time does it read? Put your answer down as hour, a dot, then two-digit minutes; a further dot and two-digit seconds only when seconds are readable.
1.45.44
